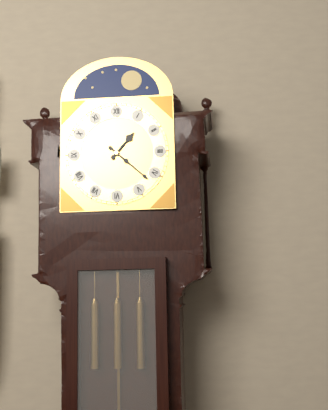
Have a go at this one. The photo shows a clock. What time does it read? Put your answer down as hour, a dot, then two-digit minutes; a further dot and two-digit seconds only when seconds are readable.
1.22
